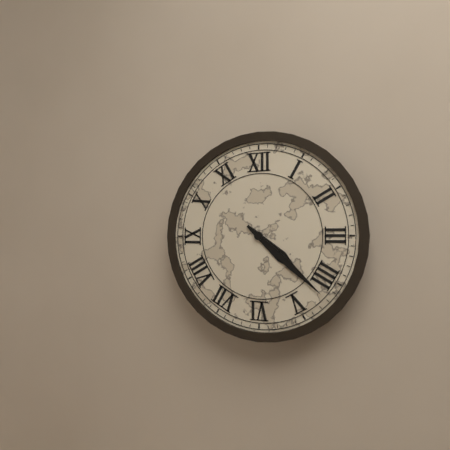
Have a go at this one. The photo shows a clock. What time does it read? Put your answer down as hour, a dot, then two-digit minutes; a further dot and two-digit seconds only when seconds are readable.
4.22
